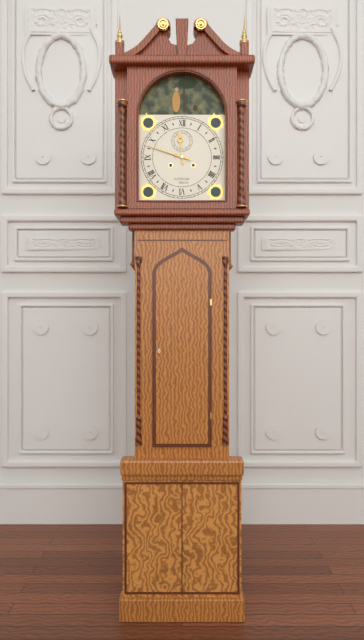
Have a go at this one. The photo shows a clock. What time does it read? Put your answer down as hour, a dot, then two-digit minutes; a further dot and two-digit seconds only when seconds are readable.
11.48
